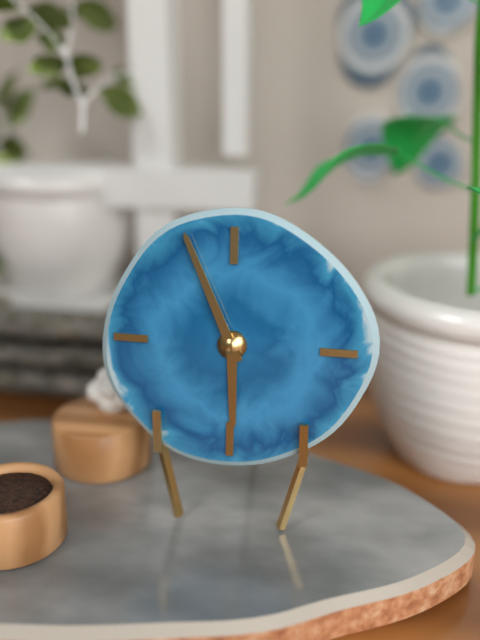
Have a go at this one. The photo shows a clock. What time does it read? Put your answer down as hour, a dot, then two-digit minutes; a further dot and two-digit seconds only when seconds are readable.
5.56
